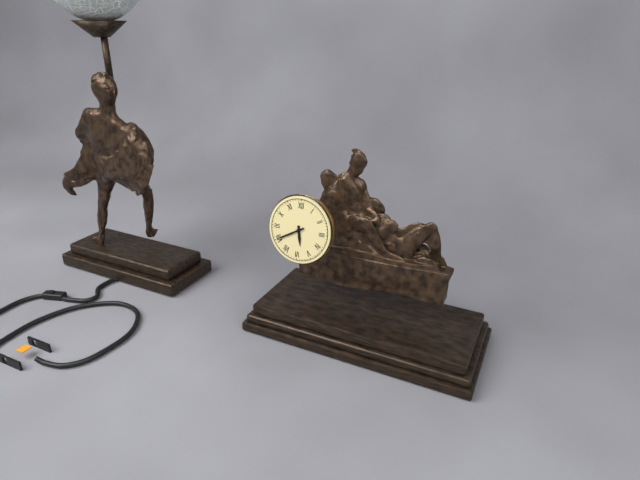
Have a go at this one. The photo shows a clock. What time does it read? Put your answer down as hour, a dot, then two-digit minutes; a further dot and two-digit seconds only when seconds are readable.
5.40
